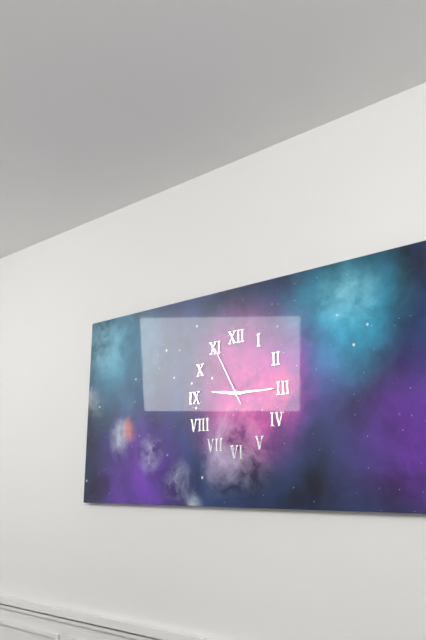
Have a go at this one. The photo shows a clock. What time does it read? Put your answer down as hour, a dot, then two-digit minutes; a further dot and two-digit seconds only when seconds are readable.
9.15.55
